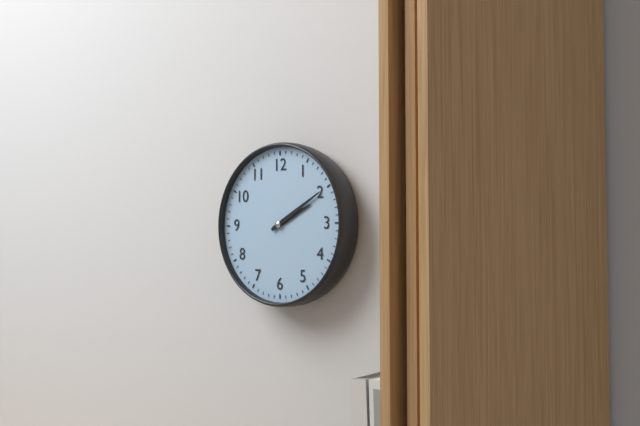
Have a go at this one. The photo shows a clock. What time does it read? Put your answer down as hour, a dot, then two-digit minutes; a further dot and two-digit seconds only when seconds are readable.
2.10
